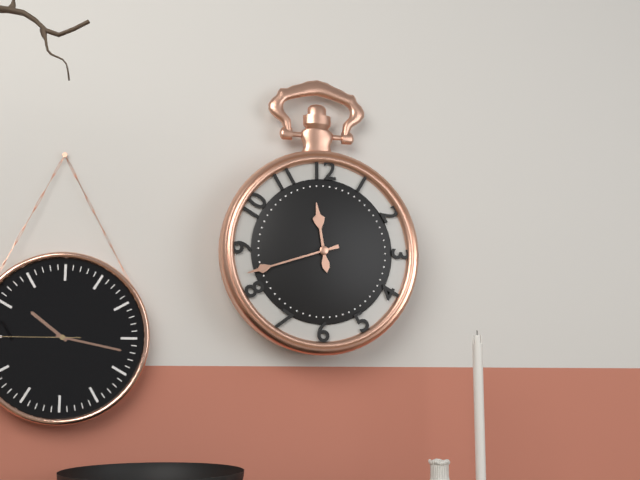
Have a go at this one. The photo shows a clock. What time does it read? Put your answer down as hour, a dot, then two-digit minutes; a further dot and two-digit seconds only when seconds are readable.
11.42
